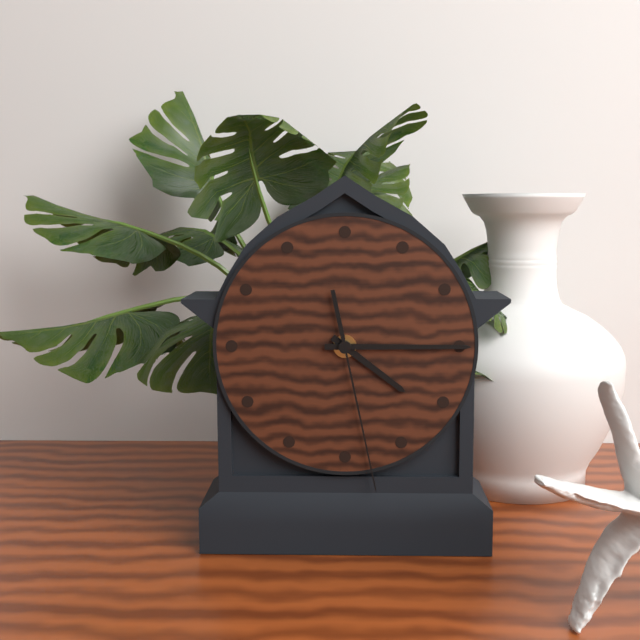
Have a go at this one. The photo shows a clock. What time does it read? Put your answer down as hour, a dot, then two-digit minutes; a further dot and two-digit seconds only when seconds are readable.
4.15.28
